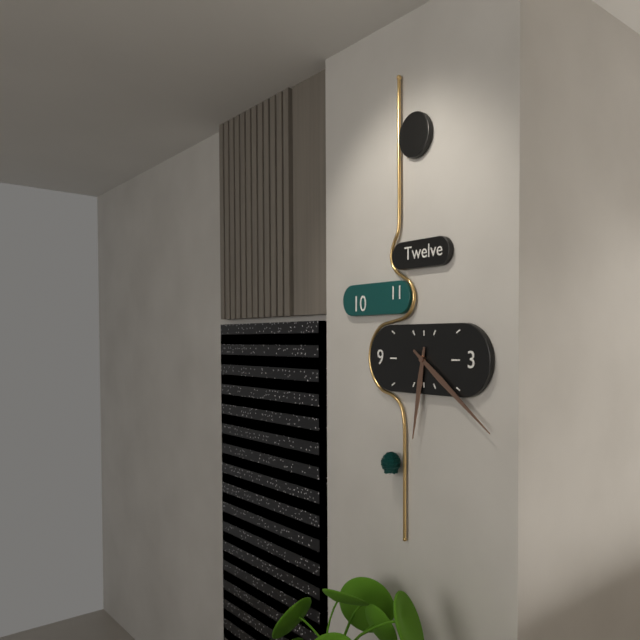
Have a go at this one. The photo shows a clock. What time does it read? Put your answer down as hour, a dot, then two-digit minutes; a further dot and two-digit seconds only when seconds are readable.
6.21
